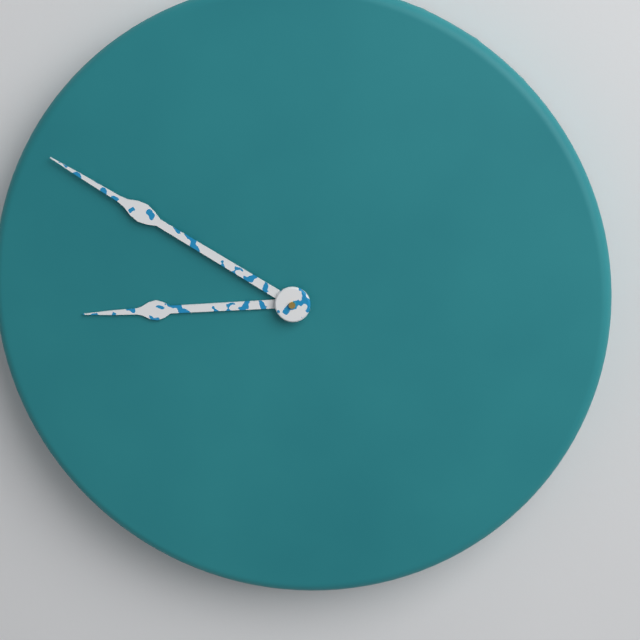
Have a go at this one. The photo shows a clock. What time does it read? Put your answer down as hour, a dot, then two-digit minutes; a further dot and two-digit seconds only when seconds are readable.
8.50
